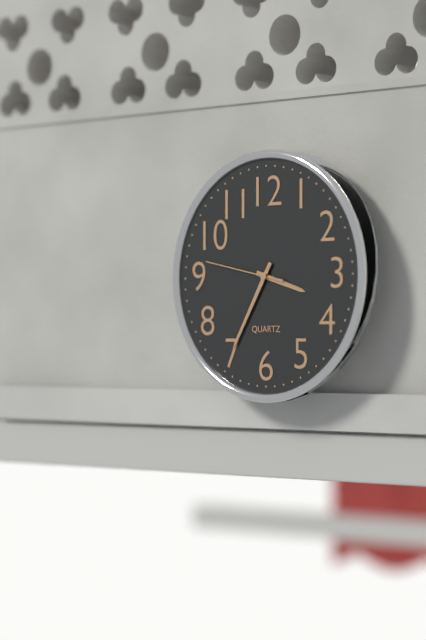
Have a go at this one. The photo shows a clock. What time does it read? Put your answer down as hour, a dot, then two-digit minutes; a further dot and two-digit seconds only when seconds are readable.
3.35.47
